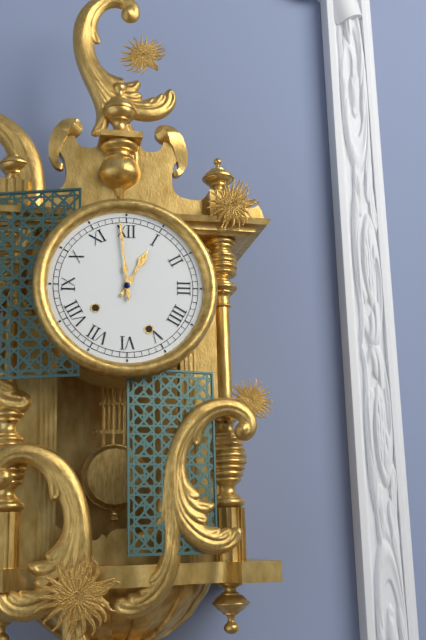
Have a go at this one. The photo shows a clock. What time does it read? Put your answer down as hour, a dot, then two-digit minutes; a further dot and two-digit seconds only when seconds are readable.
12.59
